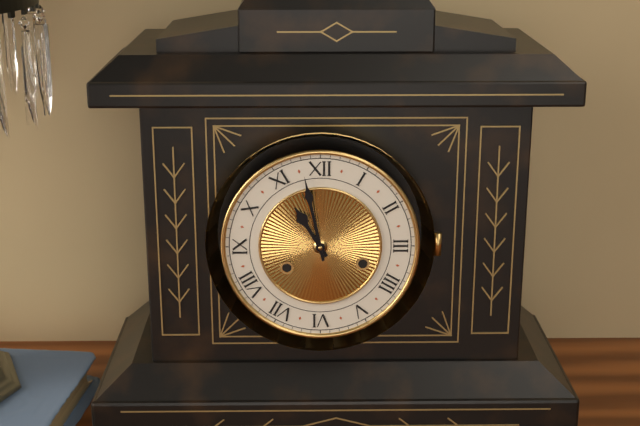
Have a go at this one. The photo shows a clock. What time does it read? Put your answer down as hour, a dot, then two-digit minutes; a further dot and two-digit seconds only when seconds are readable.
10.58
